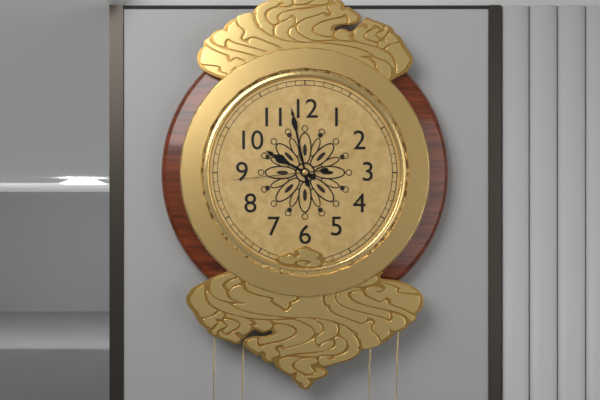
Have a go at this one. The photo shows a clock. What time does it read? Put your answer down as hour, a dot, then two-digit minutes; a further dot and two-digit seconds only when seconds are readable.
9.58.44
